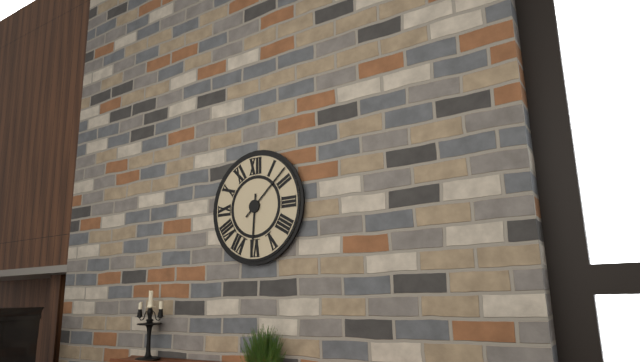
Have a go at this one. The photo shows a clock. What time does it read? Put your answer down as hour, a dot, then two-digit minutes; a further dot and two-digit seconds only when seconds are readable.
6.08
